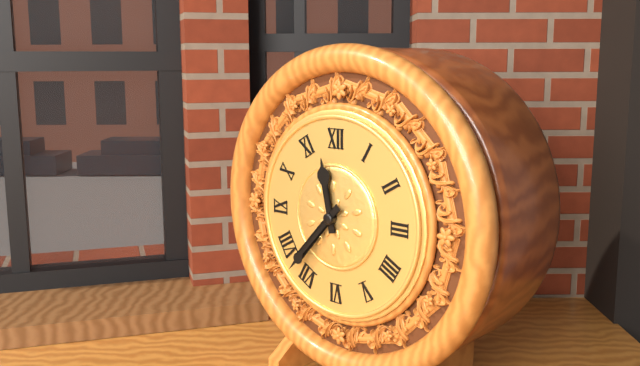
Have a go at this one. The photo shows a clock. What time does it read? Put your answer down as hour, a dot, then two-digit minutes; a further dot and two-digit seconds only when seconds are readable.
11.37
